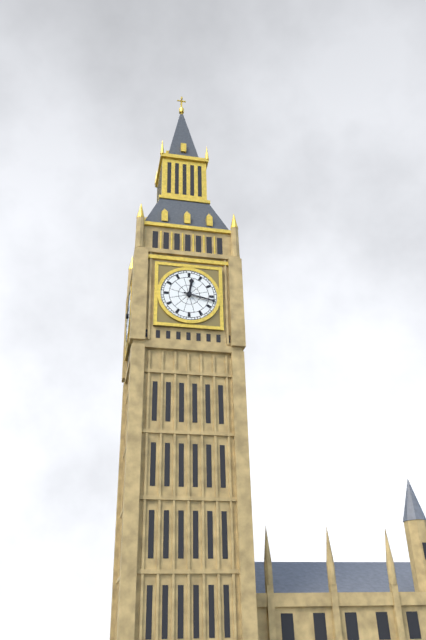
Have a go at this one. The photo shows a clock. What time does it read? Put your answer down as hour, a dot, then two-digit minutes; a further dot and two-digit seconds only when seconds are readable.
12.17
